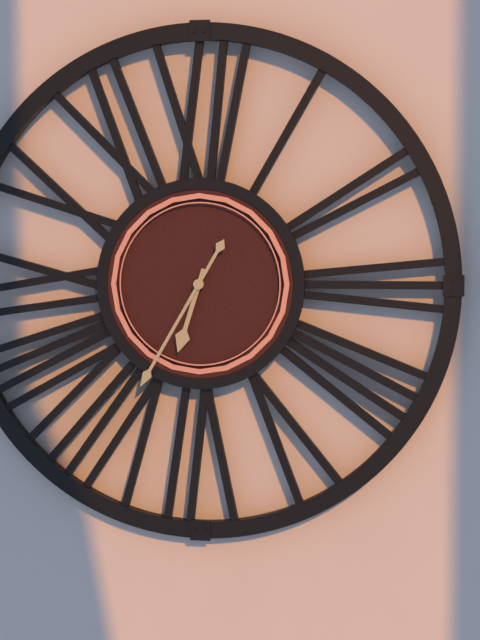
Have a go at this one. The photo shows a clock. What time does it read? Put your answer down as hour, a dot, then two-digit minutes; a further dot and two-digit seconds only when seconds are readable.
6.35
